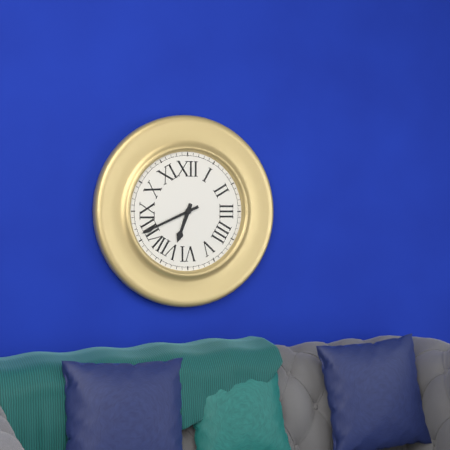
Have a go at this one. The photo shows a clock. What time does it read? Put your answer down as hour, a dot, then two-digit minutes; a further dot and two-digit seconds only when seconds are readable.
6.41
